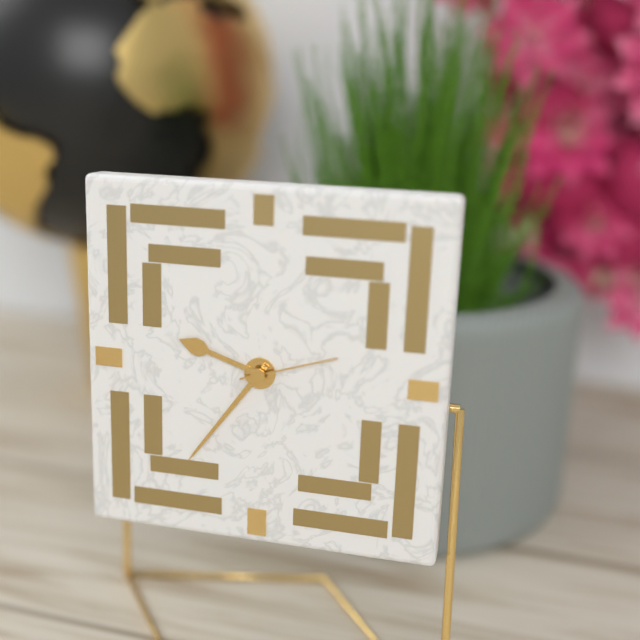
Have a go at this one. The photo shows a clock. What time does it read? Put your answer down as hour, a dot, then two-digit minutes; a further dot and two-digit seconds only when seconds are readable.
9.36.12
